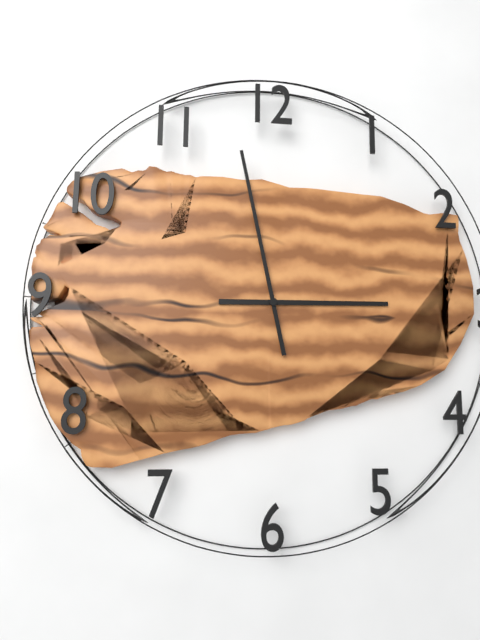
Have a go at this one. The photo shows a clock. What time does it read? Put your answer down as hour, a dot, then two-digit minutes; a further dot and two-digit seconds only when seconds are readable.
2.58
